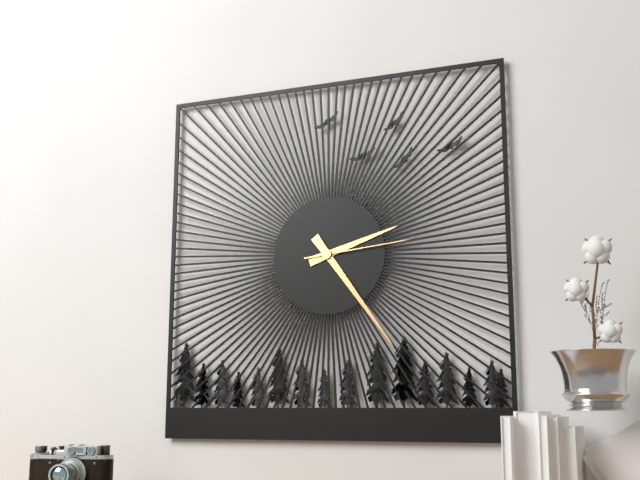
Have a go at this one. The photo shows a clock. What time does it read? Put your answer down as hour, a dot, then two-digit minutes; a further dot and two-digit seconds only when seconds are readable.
2.24.14
